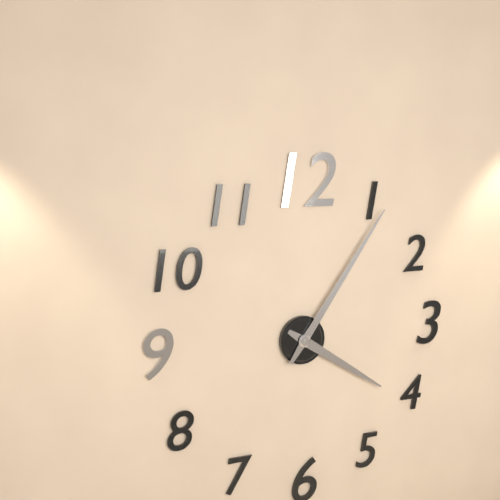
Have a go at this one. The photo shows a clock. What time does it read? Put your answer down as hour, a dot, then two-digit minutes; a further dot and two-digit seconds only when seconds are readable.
4.06
